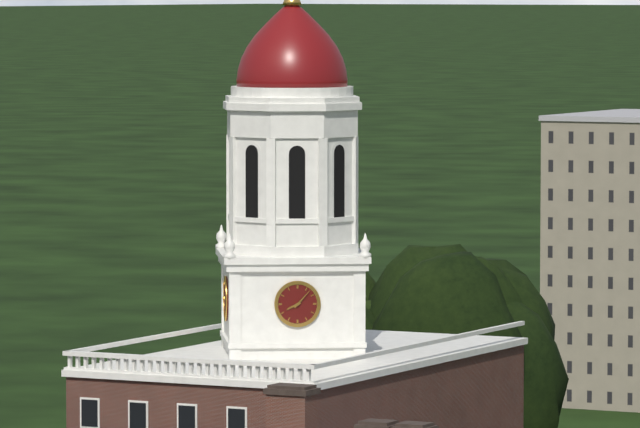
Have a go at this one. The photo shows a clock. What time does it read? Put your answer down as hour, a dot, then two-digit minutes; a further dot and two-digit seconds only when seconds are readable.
8.07
